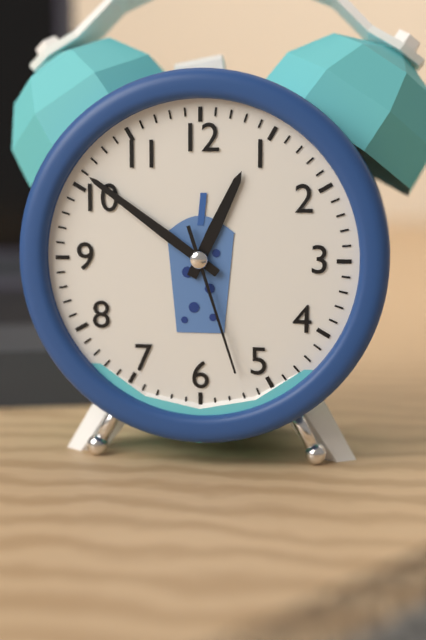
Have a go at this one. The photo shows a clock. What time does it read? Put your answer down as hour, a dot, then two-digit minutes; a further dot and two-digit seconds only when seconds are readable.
12.51.27
